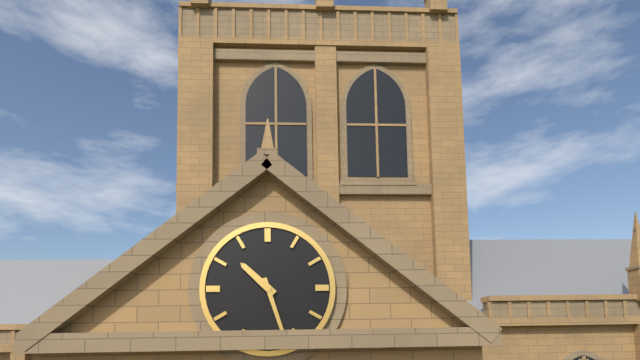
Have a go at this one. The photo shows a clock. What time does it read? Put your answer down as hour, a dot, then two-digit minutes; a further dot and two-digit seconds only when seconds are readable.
10.27
